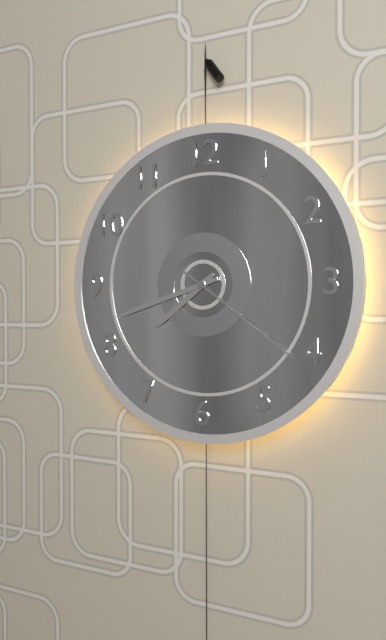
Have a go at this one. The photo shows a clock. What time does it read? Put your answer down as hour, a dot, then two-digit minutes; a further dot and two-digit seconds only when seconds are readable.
7.42.21
